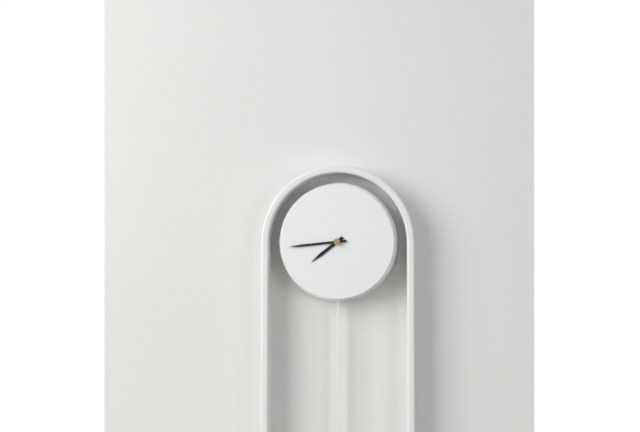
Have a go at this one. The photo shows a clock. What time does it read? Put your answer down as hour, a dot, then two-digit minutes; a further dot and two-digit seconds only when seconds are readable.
7.44
